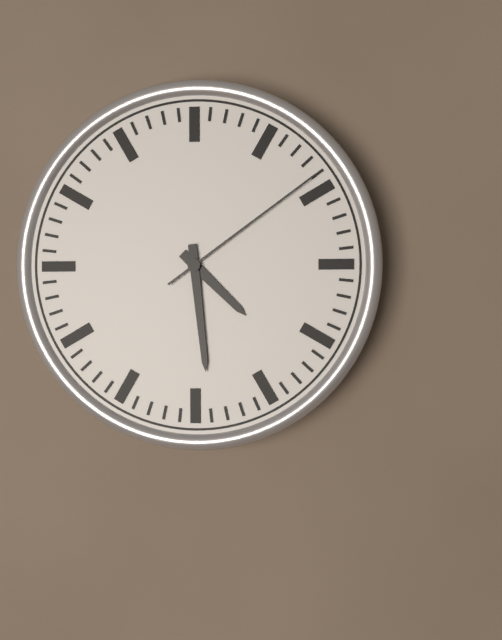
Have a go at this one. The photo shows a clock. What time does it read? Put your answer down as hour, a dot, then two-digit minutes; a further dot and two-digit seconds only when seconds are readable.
4.29.09
